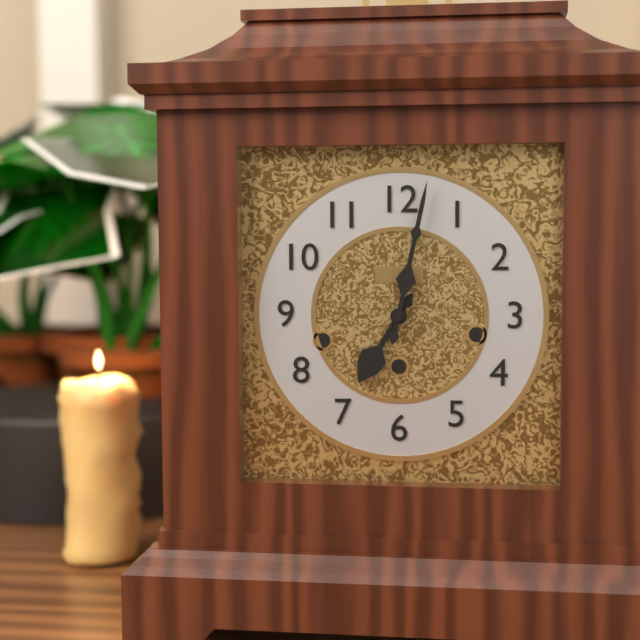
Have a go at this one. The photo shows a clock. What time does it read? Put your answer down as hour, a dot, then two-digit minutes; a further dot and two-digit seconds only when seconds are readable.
7.02
